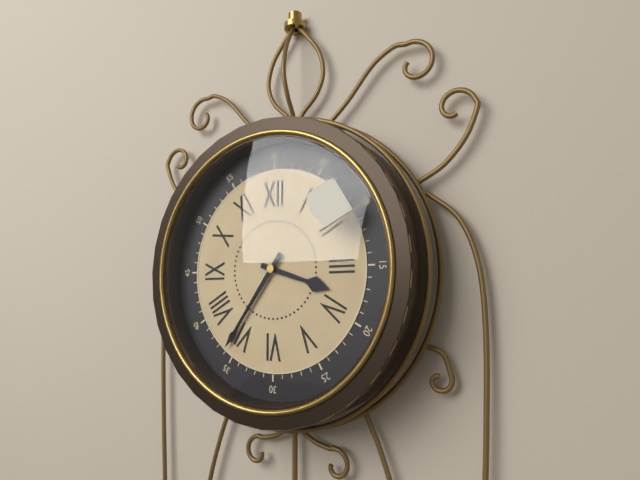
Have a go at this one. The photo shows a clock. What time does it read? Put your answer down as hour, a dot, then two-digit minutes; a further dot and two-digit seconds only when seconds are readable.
3.36
